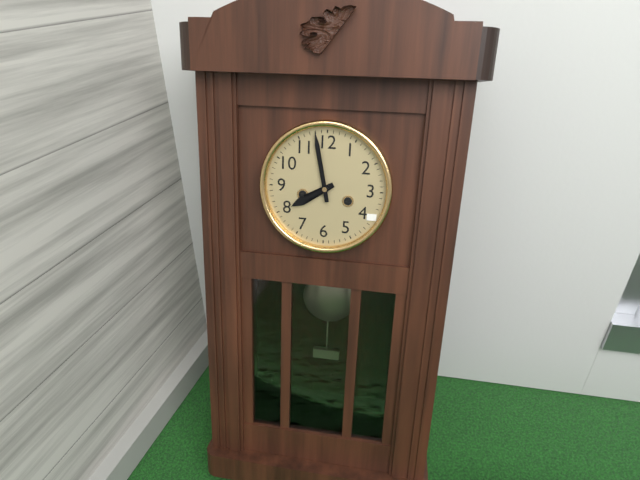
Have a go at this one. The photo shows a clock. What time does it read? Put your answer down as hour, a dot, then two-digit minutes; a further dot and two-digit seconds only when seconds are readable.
7.58
